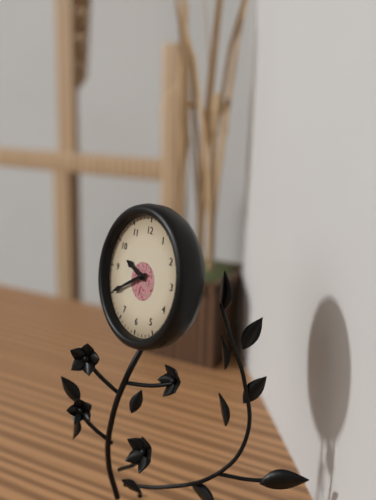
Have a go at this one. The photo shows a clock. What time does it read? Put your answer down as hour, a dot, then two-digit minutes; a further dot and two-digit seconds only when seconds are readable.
9.40
